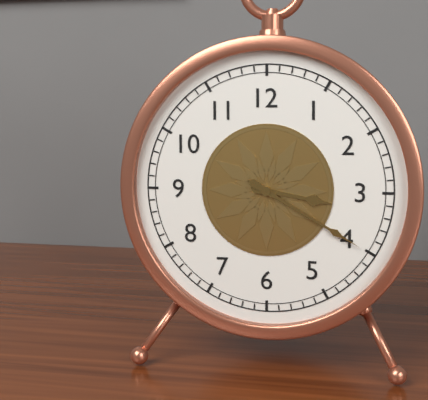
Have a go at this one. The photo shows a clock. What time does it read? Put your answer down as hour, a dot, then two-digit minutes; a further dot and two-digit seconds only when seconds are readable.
3.20
